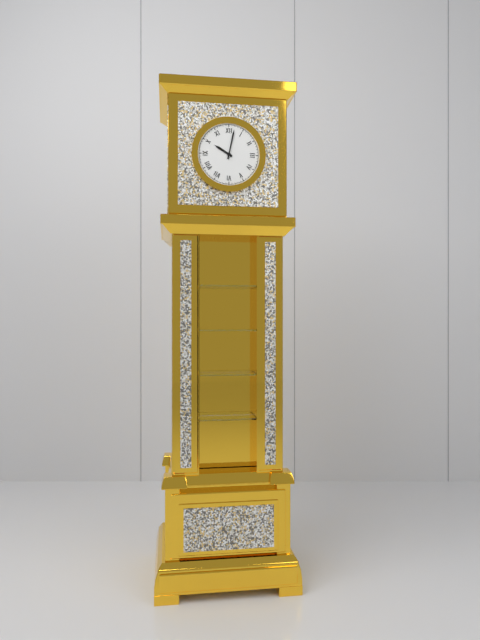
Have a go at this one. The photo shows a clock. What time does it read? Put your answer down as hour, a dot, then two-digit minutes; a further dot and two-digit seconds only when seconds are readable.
10.02
